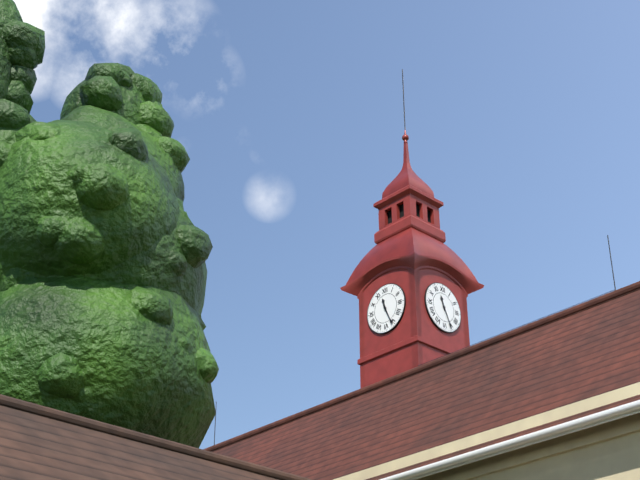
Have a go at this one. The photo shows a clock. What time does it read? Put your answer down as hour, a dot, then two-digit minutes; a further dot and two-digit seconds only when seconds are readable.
11.26
